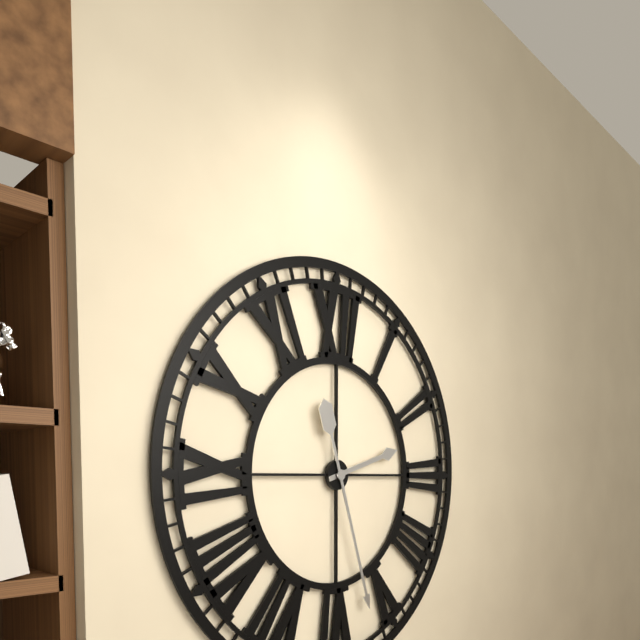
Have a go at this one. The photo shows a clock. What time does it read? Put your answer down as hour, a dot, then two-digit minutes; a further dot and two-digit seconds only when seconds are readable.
2.27
